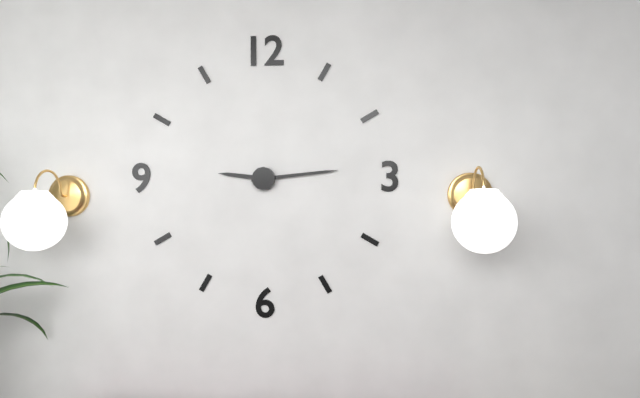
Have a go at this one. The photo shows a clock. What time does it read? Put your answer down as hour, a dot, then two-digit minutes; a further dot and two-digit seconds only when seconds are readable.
9.14
